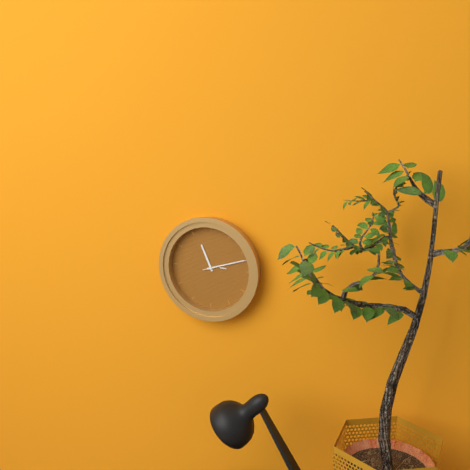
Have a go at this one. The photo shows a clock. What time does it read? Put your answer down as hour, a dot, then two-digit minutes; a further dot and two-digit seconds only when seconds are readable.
11.12
